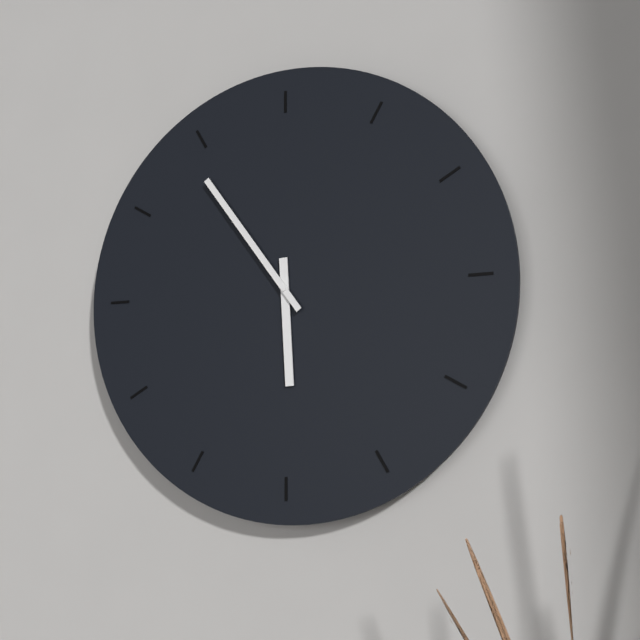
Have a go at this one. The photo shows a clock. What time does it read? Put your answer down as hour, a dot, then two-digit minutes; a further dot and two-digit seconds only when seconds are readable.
5.54
